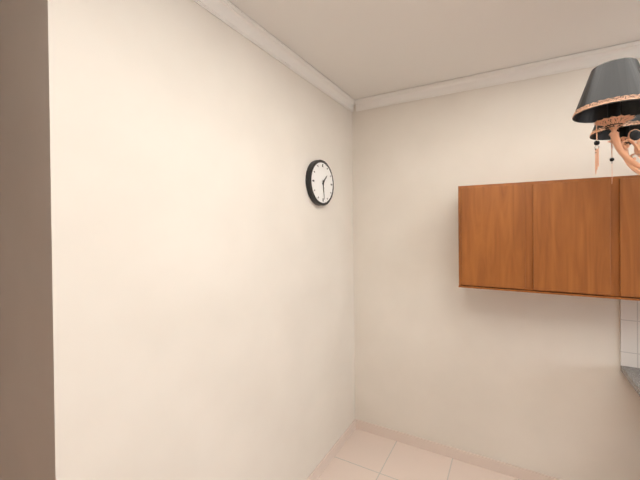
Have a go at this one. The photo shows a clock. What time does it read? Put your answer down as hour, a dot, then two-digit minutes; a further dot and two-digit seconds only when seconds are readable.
1.29
